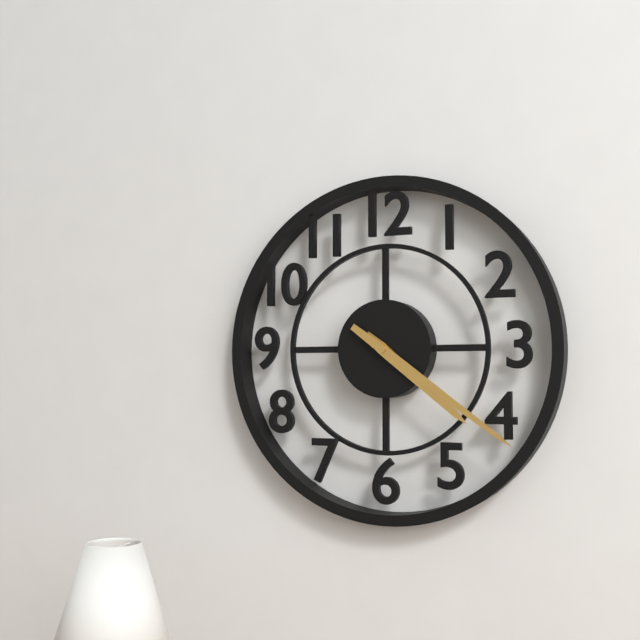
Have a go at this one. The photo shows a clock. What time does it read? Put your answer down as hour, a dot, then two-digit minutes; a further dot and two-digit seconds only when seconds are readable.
4.21
